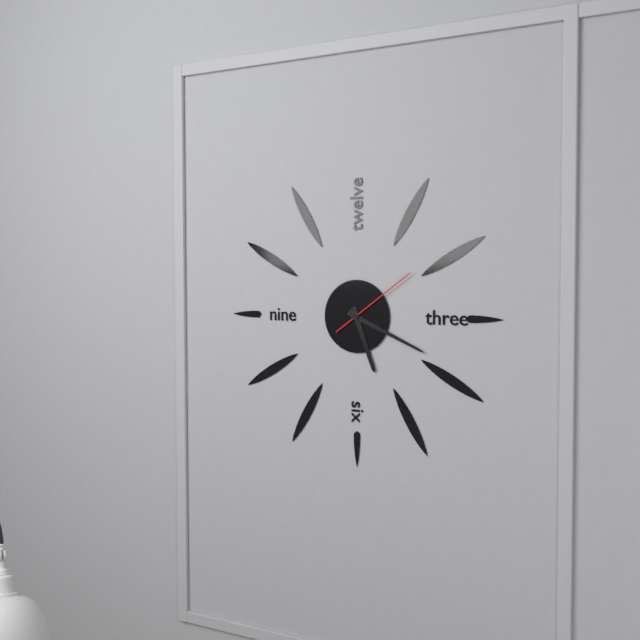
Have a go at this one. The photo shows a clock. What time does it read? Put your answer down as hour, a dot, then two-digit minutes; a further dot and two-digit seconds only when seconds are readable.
5.19.09
